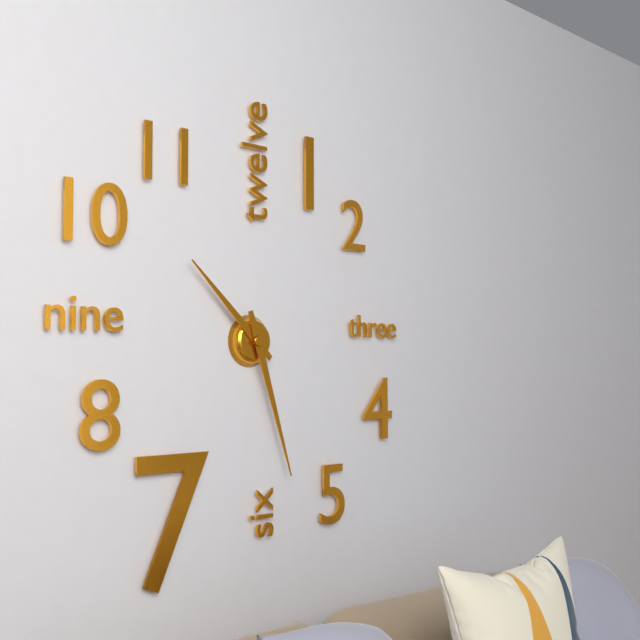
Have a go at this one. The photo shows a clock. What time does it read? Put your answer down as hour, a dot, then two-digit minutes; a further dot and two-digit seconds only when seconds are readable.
10.27
